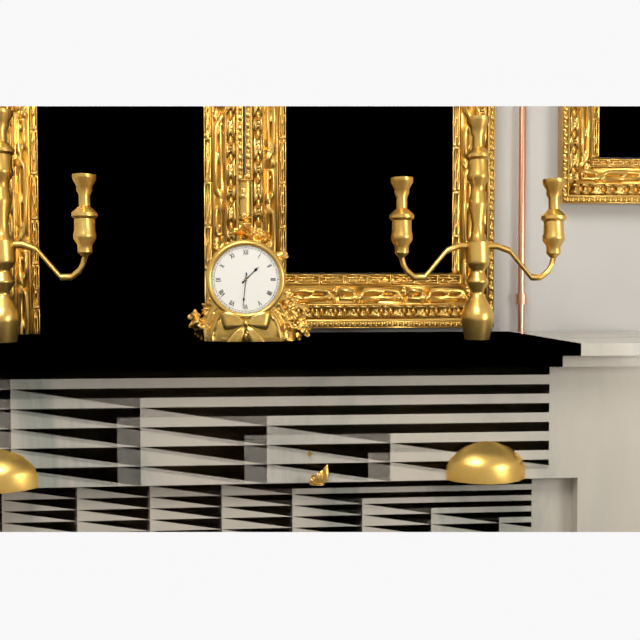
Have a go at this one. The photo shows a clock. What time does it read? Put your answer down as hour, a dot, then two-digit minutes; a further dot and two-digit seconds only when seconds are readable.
1.31
